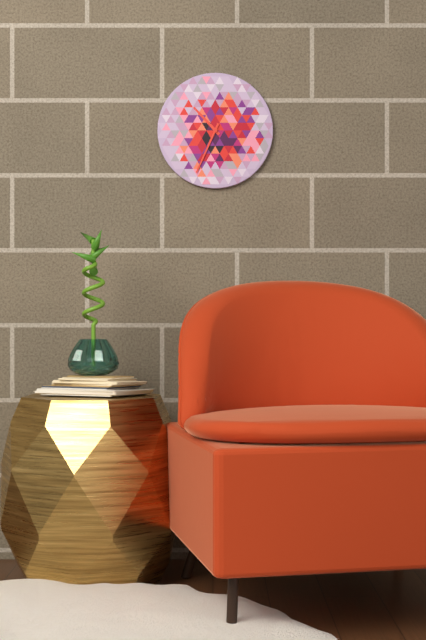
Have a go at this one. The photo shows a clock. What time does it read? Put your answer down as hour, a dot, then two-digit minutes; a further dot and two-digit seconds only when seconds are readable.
10.34
